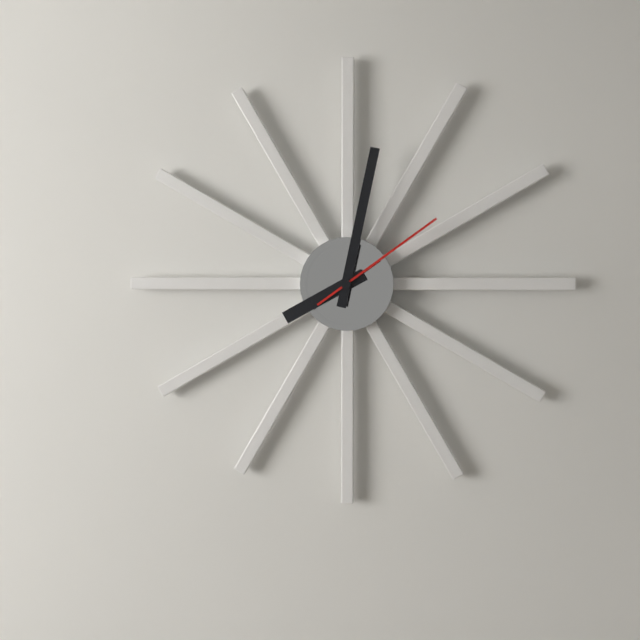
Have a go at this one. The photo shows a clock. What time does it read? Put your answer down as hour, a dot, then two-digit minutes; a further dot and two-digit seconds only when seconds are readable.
8.02.09
